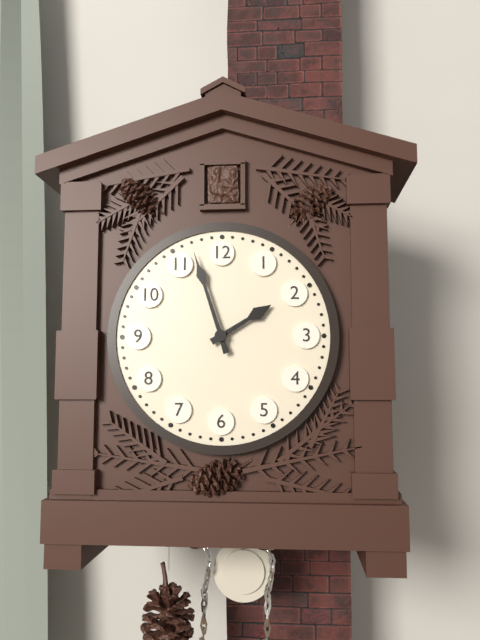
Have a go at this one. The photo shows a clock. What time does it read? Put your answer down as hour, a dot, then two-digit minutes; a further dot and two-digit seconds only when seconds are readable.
1.57
